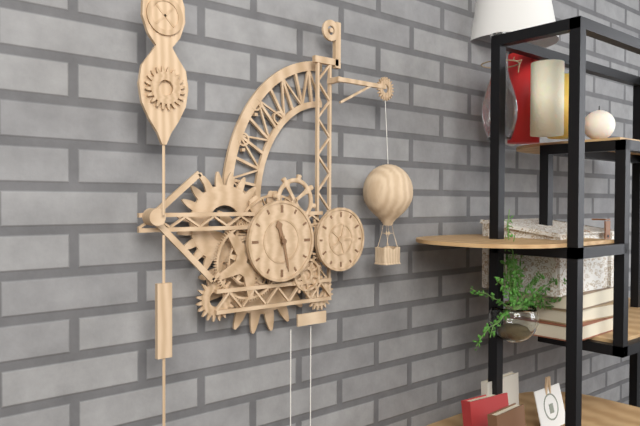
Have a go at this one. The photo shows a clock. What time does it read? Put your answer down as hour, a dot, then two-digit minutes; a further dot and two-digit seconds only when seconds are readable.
11.28
